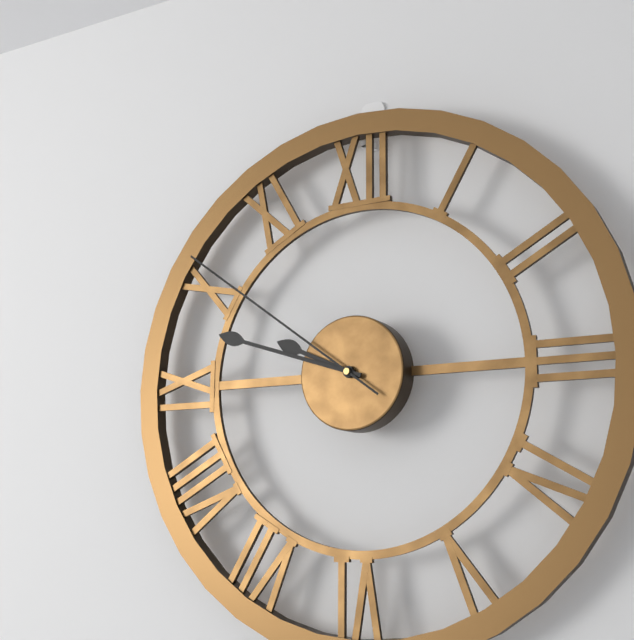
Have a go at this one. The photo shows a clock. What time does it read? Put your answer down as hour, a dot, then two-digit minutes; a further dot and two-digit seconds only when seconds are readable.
9.48.51
